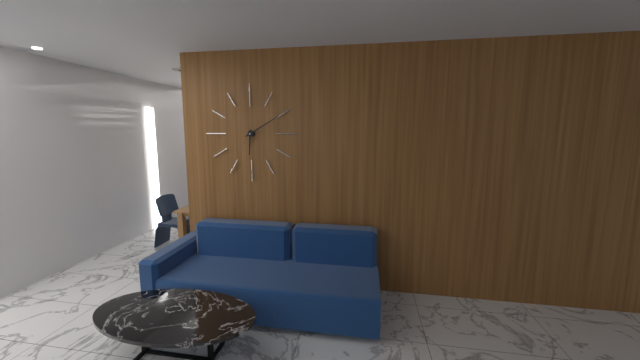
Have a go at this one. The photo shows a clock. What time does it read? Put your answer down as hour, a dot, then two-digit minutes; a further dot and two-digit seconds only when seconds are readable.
6.10
